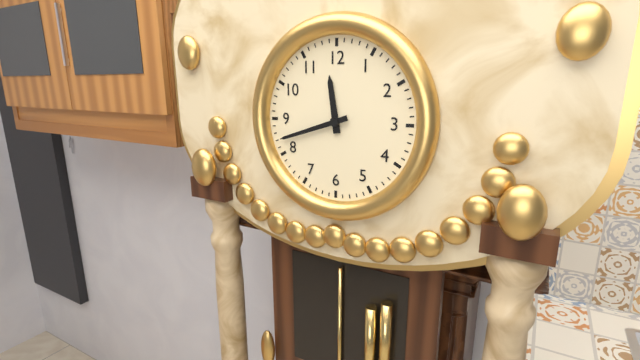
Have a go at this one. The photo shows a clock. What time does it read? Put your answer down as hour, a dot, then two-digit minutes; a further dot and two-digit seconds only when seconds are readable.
11.42
